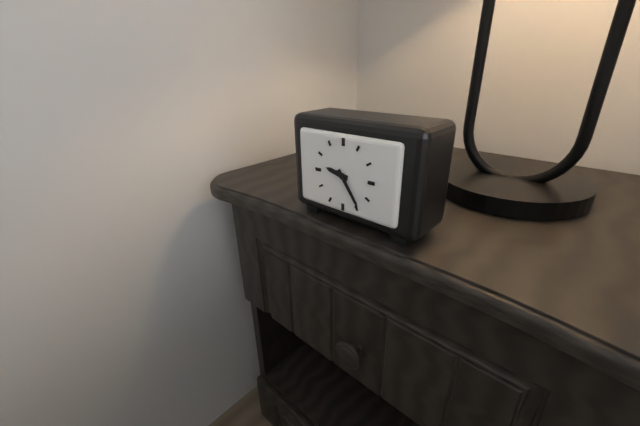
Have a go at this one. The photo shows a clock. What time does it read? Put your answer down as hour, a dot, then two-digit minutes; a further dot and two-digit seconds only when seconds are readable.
9.24
